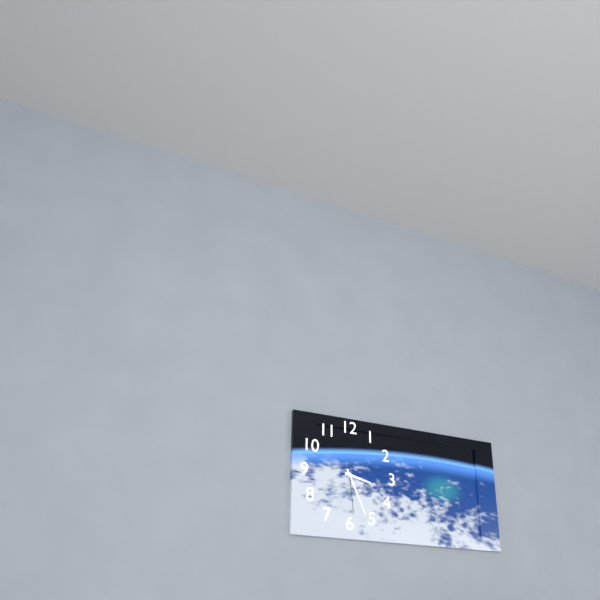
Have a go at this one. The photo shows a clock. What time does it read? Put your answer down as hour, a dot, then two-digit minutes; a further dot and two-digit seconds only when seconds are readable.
3.26
